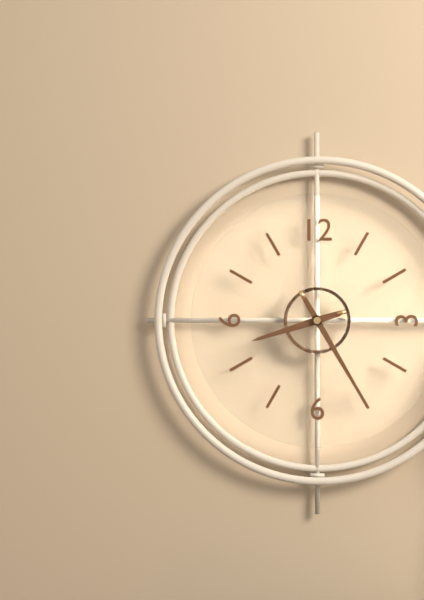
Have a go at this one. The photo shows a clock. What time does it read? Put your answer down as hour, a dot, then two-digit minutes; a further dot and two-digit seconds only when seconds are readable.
8.25
